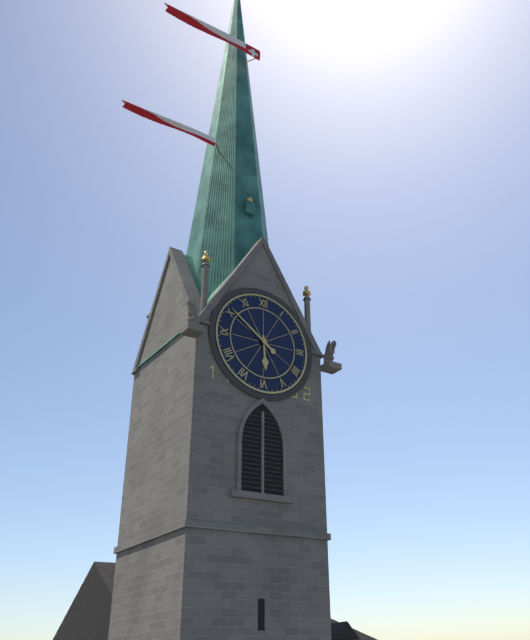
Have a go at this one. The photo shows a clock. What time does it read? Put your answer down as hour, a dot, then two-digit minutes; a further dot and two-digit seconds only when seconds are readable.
5.51
